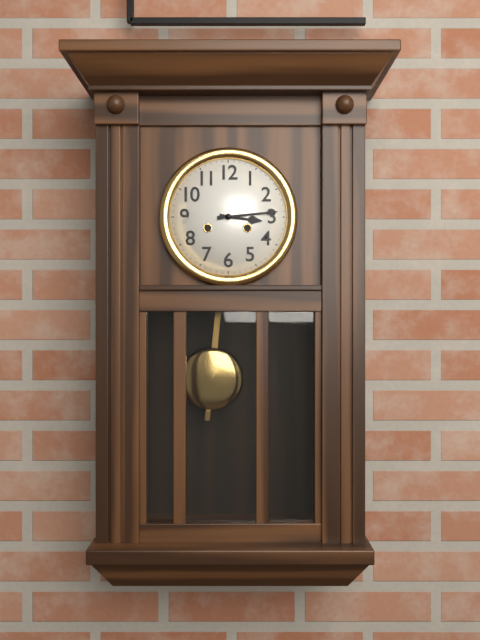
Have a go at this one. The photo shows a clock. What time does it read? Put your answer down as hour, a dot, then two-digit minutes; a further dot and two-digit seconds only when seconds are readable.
3.14
